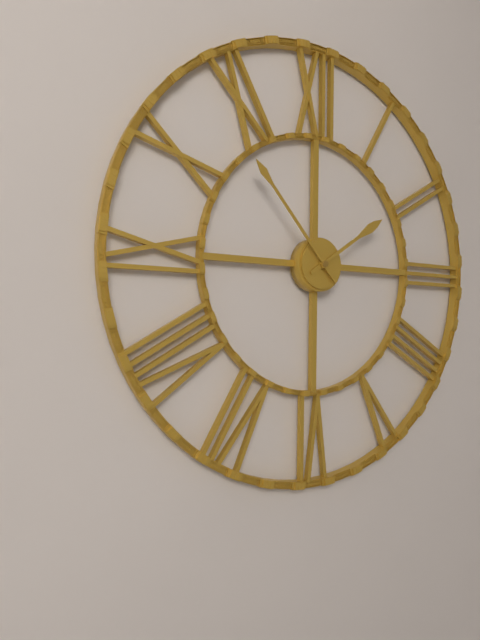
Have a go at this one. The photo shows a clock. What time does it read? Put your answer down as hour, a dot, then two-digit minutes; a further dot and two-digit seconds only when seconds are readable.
1.53
